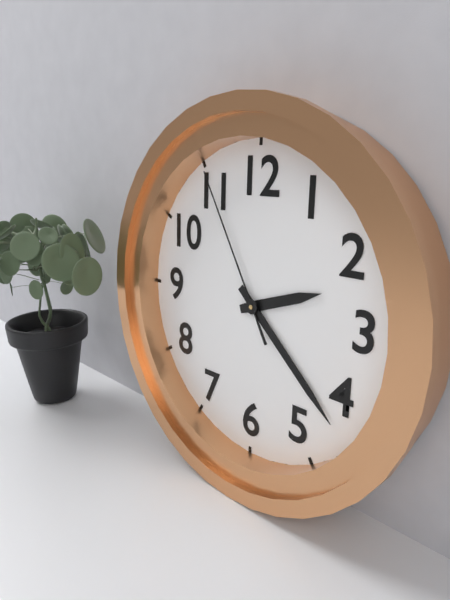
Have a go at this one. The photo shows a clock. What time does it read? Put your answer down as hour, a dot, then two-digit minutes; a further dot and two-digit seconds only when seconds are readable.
2.22.55
